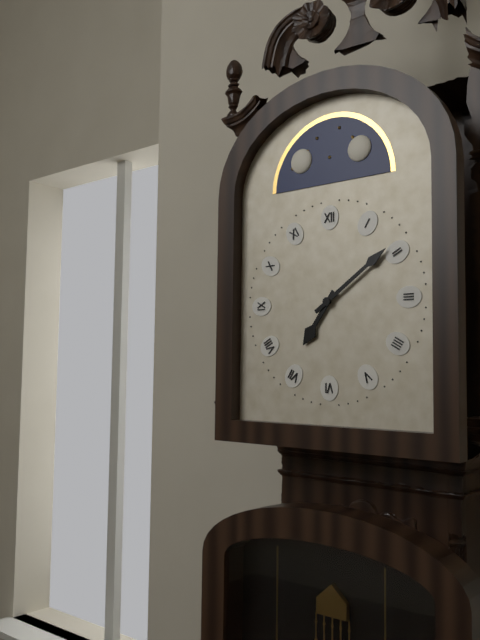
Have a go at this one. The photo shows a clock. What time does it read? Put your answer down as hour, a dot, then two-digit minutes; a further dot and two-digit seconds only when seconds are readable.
7.09
